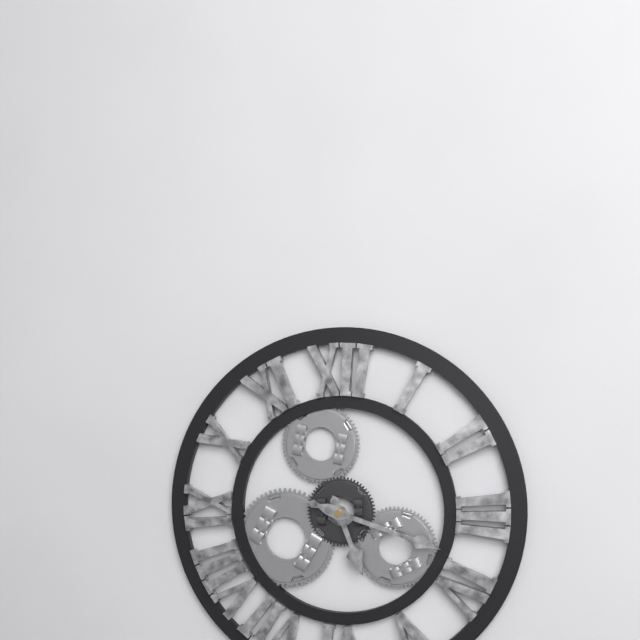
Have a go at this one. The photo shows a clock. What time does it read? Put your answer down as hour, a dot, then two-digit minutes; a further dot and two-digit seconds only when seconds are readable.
5.18
